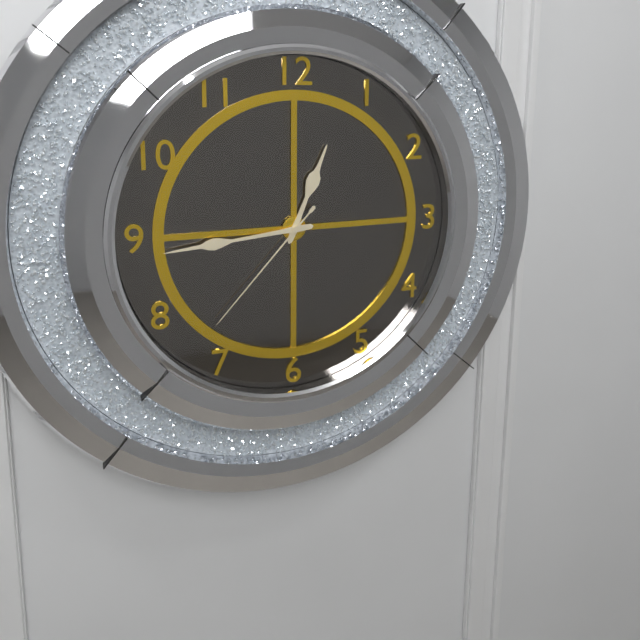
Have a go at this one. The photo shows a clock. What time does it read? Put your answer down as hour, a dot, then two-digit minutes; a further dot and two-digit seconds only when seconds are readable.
12.44.37
